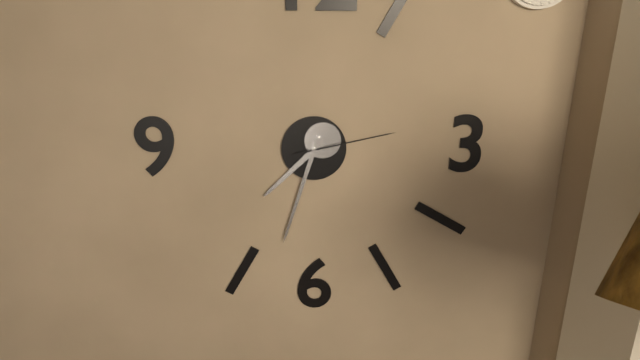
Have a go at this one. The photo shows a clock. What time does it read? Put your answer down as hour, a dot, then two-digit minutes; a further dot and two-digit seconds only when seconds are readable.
7.33.13
